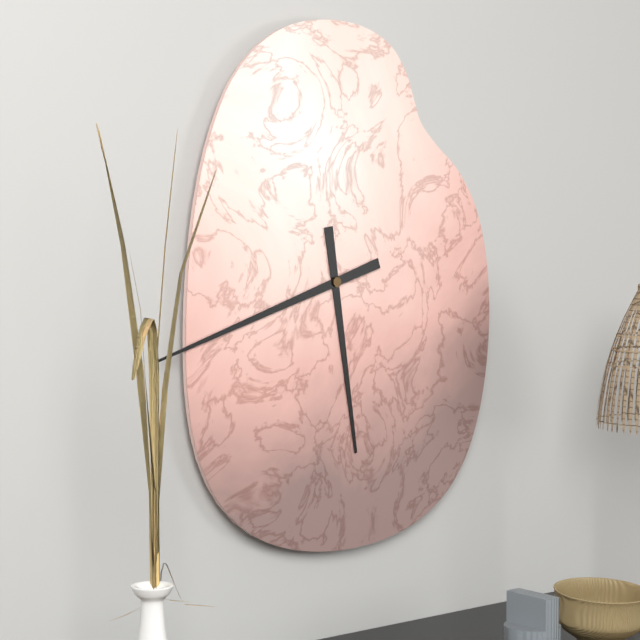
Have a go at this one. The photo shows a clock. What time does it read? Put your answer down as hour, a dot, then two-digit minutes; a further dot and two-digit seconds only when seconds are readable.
5.42
